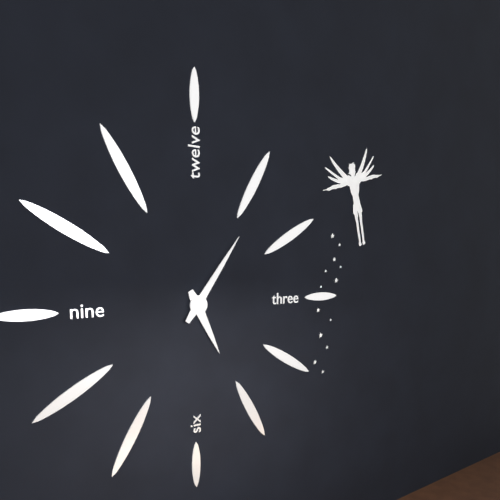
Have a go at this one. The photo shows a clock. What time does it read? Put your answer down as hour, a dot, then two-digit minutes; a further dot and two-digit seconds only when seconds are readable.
5.06
